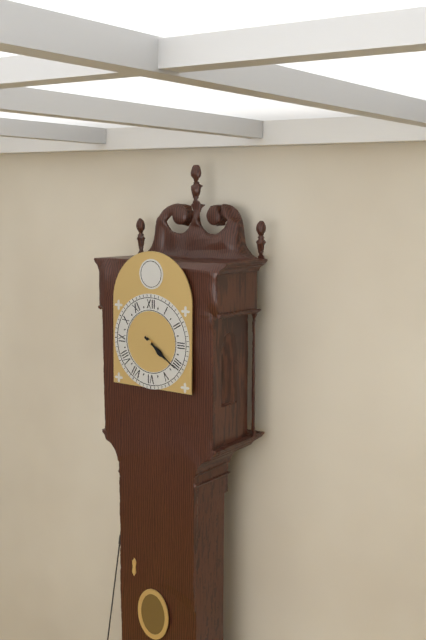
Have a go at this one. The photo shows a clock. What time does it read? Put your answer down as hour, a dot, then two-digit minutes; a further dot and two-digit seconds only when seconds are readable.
4.21
